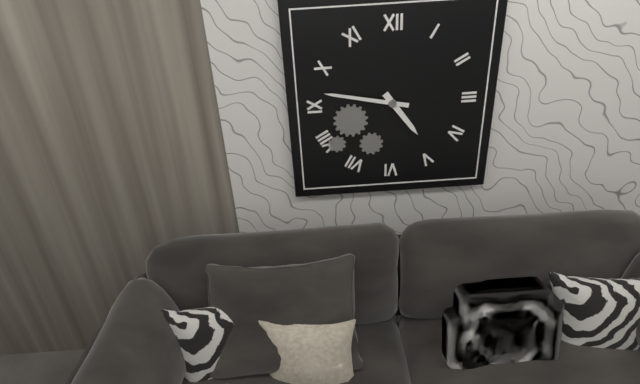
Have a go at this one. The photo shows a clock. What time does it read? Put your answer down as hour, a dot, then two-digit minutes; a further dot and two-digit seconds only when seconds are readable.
4.47
